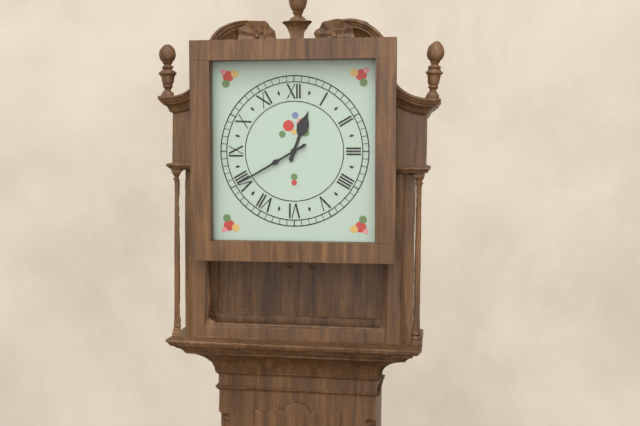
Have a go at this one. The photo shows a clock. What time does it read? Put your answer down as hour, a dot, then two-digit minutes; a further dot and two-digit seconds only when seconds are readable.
12.40
